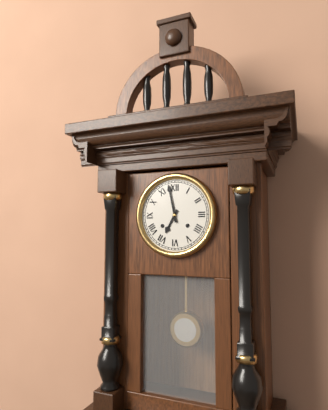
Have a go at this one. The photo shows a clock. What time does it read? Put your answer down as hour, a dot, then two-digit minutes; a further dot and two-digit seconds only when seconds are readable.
6.58
